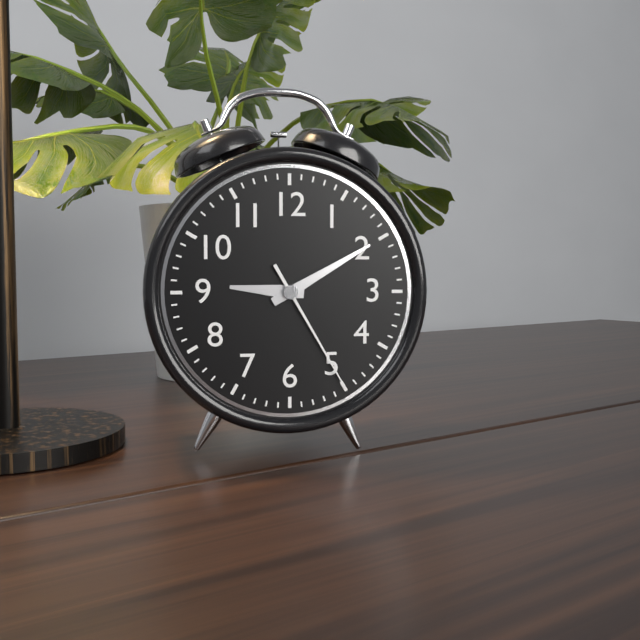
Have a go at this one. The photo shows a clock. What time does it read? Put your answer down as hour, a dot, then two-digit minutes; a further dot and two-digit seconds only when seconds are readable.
9.10.25
